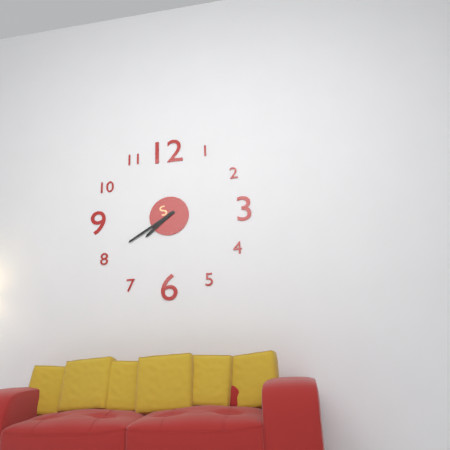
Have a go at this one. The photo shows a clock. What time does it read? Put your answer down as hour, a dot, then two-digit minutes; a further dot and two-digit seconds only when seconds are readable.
7.40
